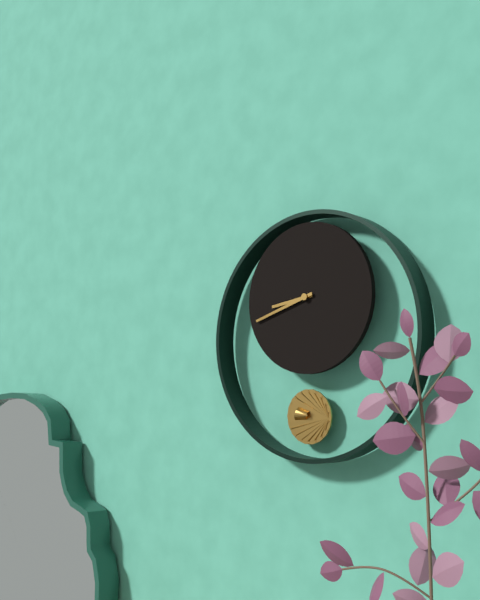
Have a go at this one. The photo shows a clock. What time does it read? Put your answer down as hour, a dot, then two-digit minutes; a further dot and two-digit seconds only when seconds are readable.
8.42
